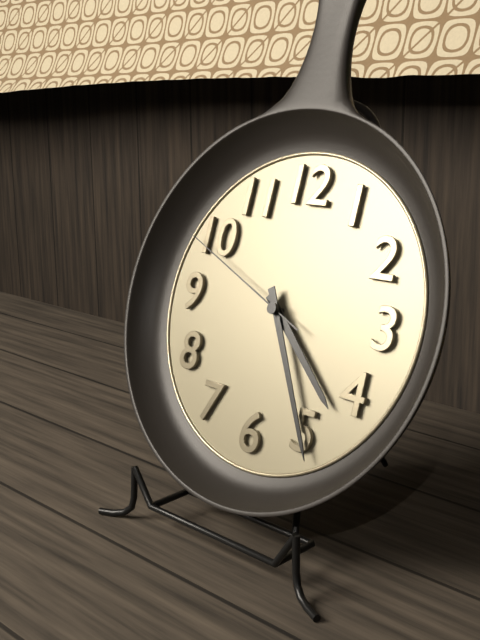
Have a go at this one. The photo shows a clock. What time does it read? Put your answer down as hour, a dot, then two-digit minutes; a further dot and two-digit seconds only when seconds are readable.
4.25.49
